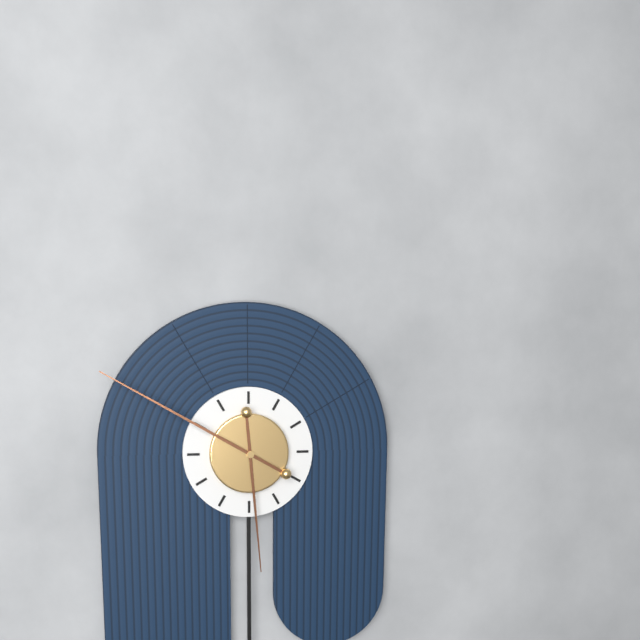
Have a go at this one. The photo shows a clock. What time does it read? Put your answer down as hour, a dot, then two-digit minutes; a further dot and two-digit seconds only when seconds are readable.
5.50
